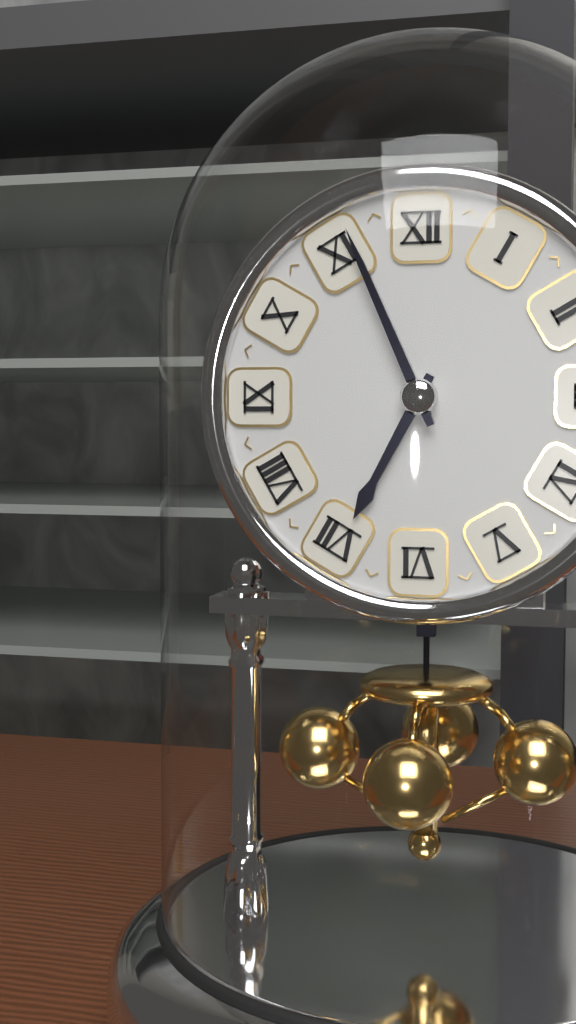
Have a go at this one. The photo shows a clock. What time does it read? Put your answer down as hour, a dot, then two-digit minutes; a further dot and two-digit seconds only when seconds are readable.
6.56
